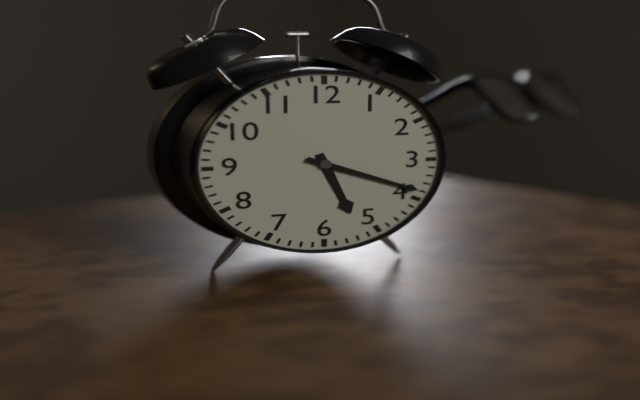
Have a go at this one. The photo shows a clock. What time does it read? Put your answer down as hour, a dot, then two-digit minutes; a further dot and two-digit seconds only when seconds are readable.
5.19
